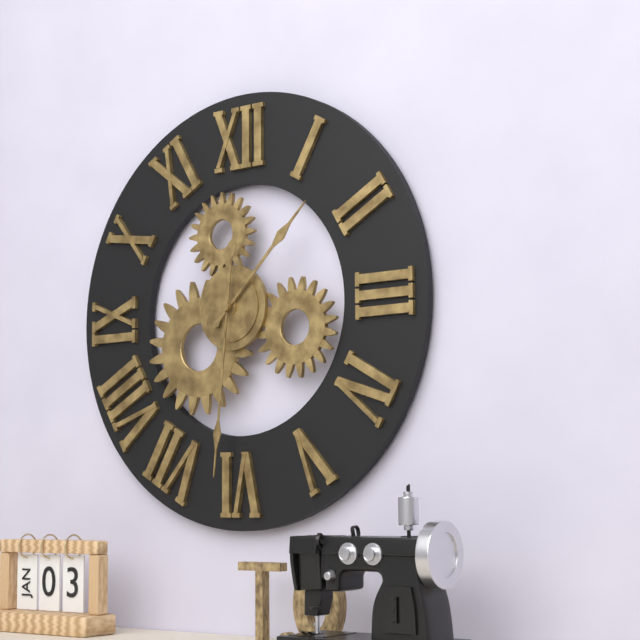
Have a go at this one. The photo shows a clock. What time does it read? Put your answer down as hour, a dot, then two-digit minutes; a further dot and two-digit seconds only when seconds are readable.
1.31
